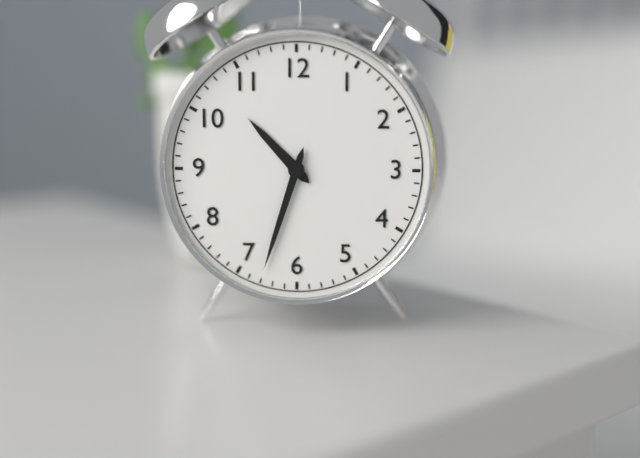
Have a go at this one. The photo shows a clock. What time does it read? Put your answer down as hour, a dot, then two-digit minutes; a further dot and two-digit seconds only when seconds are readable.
10.33
